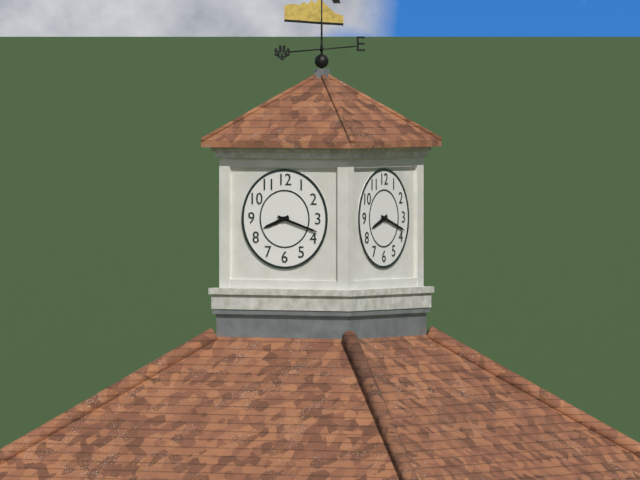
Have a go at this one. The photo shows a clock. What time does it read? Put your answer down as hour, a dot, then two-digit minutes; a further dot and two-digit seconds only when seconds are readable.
8.18
